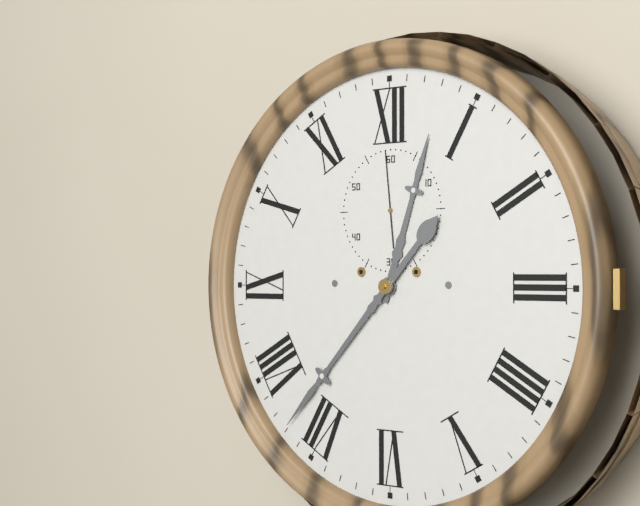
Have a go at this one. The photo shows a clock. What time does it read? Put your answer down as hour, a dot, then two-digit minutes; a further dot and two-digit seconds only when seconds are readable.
12.37.59
